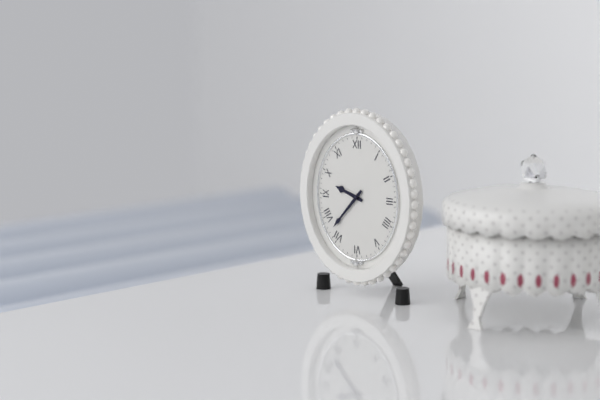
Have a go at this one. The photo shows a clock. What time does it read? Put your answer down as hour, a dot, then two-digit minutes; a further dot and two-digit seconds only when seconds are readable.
9.37
